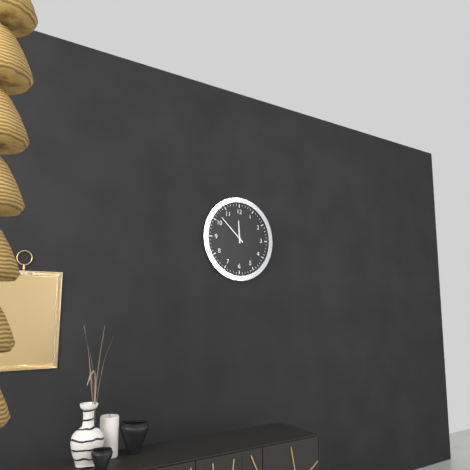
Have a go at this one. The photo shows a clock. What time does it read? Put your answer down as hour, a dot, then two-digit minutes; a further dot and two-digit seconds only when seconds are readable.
11.52
